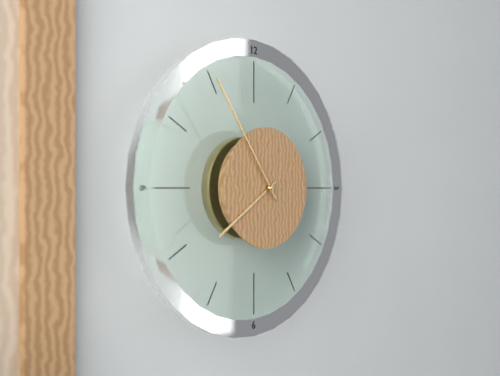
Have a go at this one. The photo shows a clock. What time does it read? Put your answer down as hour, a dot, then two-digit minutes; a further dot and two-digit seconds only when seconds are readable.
7.54
